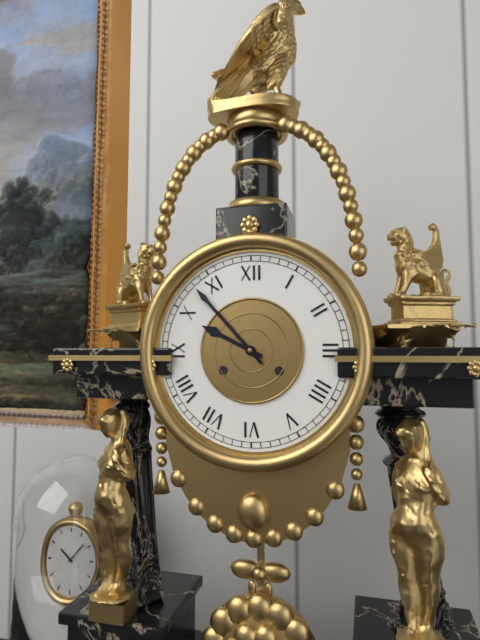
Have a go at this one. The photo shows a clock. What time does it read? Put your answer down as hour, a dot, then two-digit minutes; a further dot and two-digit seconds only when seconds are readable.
9.53
